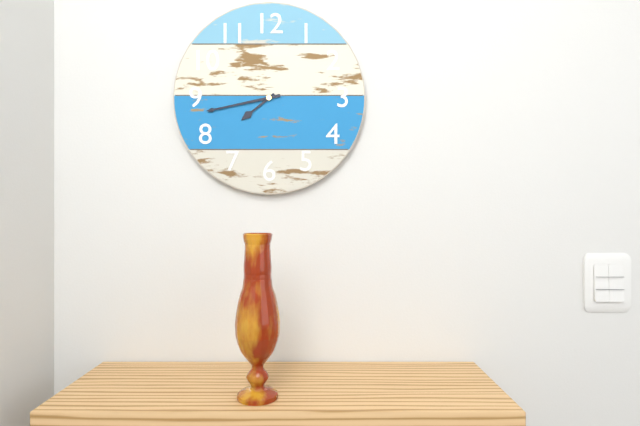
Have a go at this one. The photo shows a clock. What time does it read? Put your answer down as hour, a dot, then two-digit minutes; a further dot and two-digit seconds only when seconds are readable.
7.43
